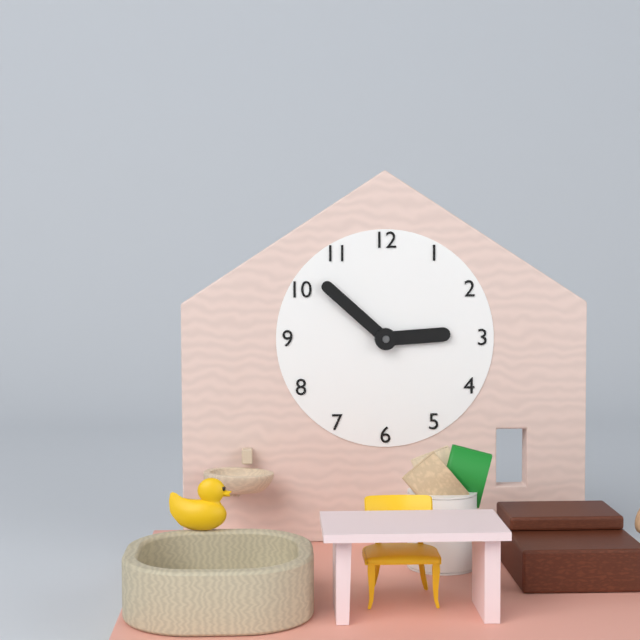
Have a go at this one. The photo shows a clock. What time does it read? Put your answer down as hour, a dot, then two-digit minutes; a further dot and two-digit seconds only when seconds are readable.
2.52
